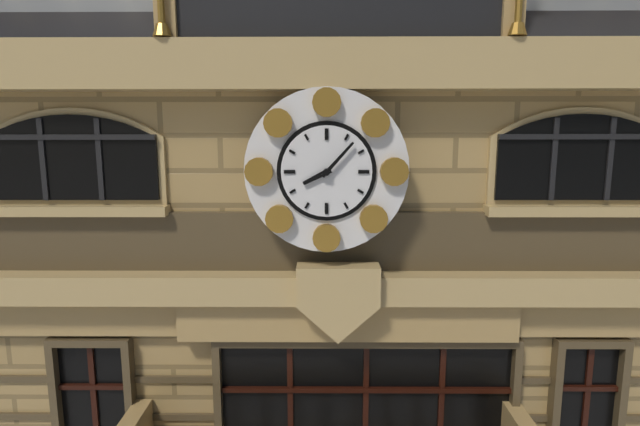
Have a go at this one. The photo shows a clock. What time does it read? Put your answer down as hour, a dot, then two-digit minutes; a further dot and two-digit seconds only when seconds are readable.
8.07
